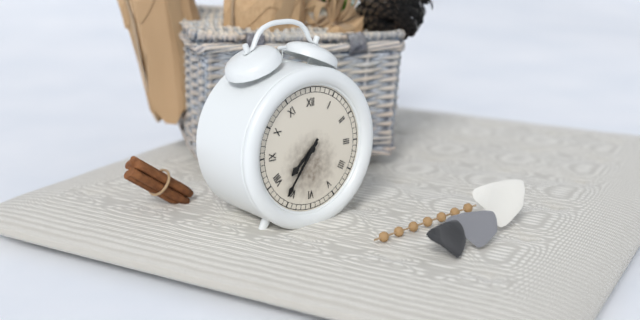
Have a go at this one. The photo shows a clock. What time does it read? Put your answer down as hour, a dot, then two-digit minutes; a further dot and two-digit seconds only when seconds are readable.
7.36
